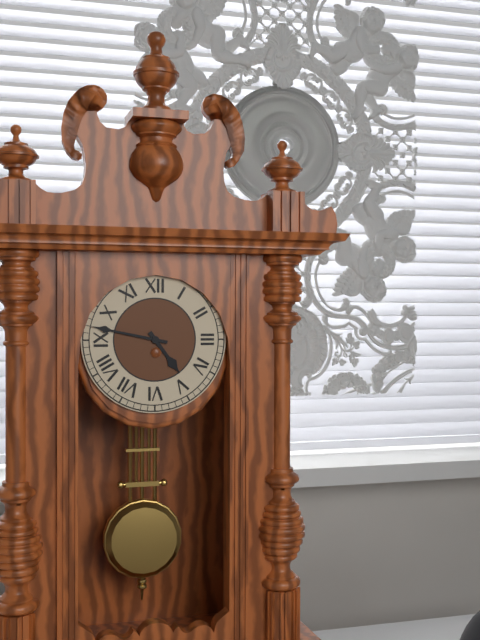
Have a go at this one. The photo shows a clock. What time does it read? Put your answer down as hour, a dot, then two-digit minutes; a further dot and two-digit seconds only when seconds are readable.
4.47
